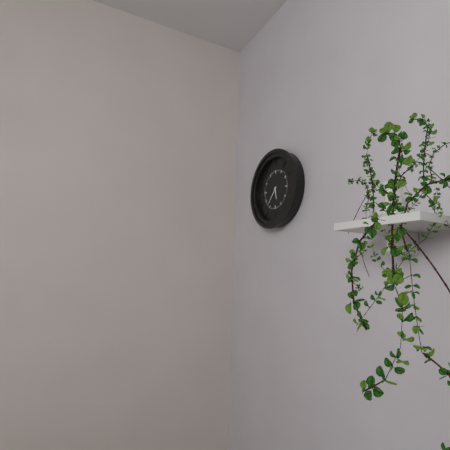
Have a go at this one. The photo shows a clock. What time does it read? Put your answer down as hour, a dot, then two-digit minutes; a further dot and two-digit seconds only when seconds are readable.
5.37
